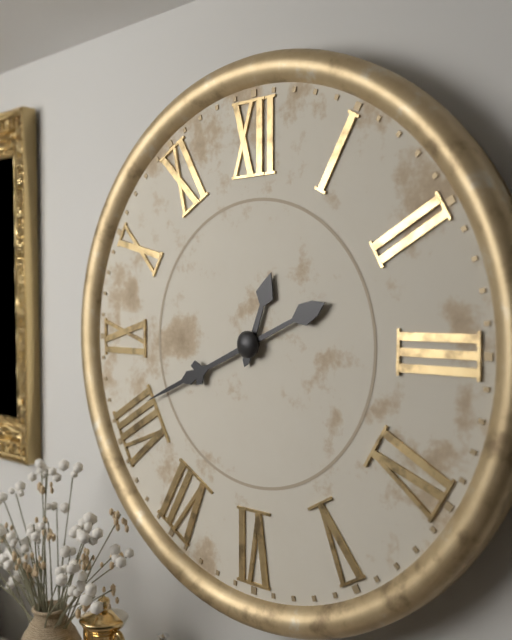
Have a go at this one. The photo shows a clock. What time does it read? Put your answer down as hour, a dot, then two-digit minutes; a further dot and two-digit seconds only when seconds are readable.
12.41
